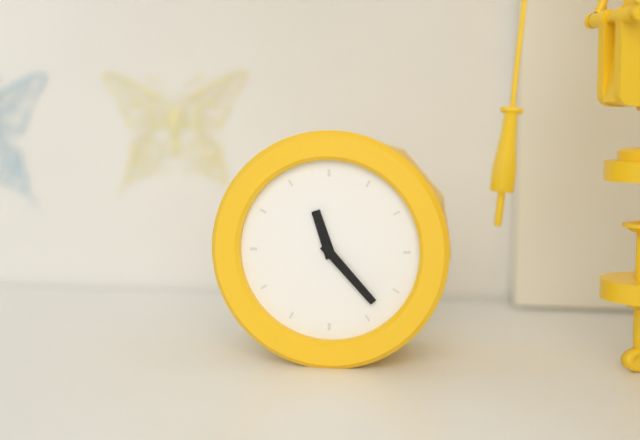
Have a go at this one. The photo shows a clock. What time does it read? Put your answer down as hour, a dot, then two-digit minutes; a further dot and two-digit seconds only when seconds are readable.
11.23
